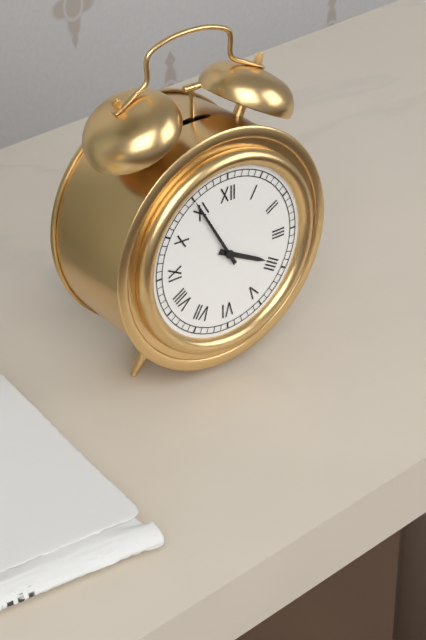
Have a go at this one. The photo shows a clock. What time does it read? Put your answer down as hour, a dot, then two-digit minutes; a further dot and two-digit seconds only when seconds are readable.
3.55
